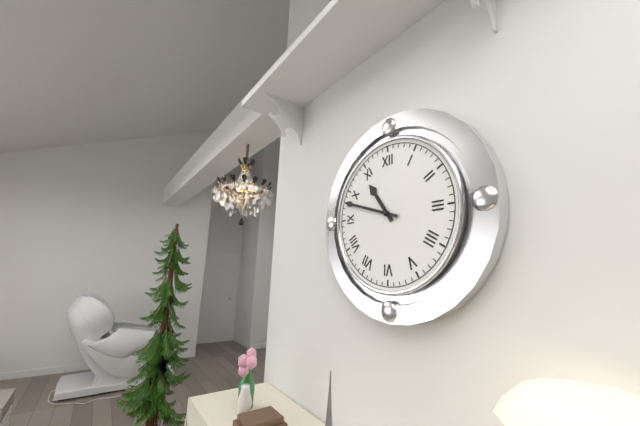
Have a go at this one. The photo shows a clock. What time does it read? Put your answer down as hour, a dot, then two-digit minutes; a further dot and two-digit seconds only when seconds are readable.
10.48
